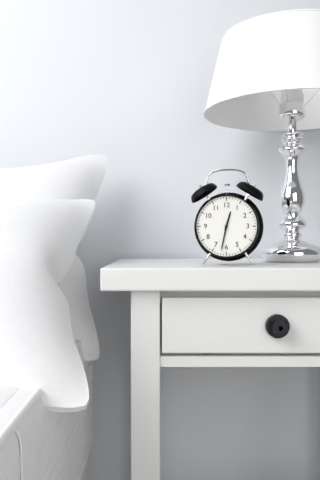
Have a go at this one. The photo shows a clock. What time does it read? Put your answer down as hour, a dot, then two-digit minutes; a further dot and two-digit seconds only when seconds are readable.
12.32
